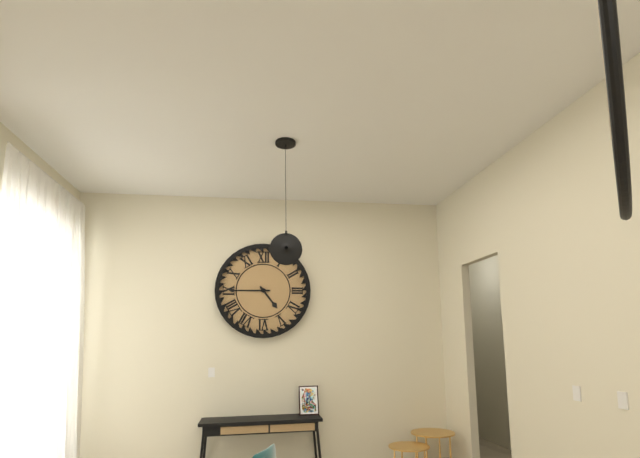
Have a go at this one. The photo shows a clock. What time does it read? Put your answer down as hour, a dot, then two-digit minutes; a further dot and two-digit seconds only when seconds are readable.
4.45
